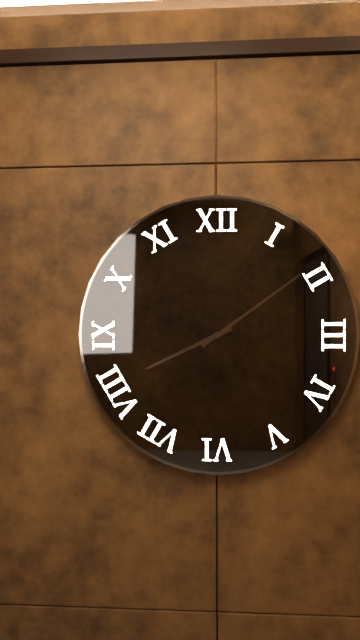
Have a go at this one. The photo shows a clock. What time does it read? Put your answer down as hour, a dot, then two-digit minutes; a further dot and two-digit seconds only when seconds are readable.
8.09
